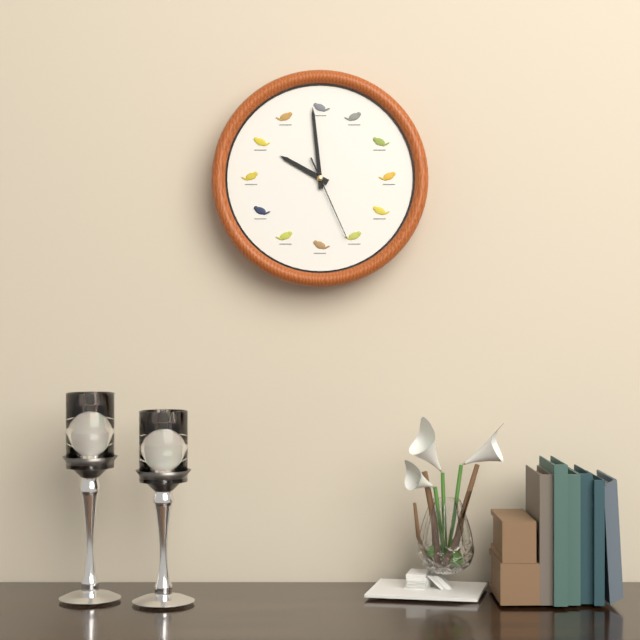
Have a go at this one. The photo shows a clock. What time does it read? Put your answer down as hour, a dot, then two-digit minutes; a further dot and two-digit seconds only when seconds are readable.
9.59.26
